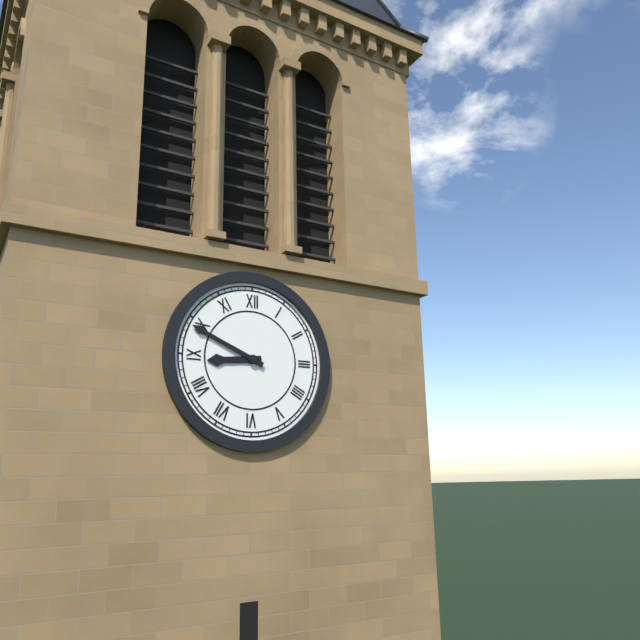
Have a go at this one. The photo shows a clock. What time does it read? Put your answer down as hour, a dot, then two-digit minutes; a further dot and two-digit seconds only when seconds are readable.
8.49
